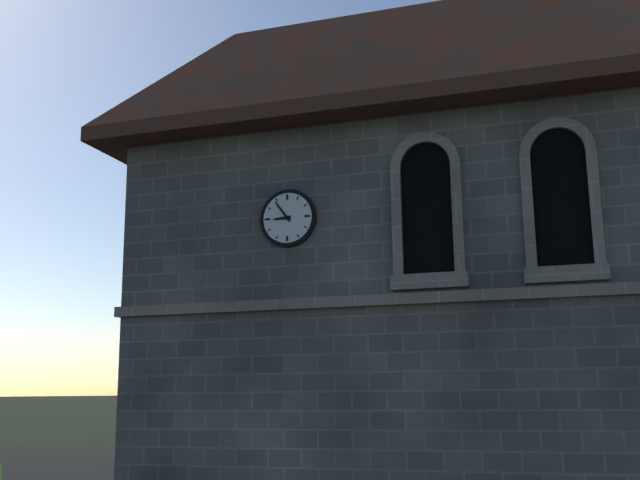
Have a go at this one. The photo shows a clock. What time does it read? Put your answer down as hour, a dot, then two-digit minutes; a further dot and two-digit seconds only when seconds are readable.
8.54
